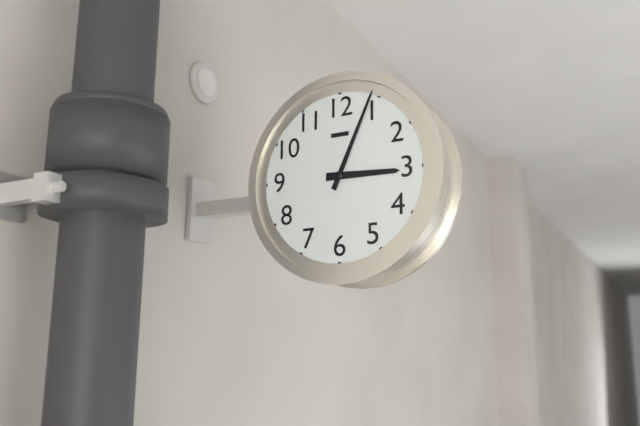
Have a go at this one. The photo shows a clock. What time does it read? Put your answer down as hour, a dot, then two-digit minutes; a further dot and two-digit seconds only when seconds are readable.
3.04
